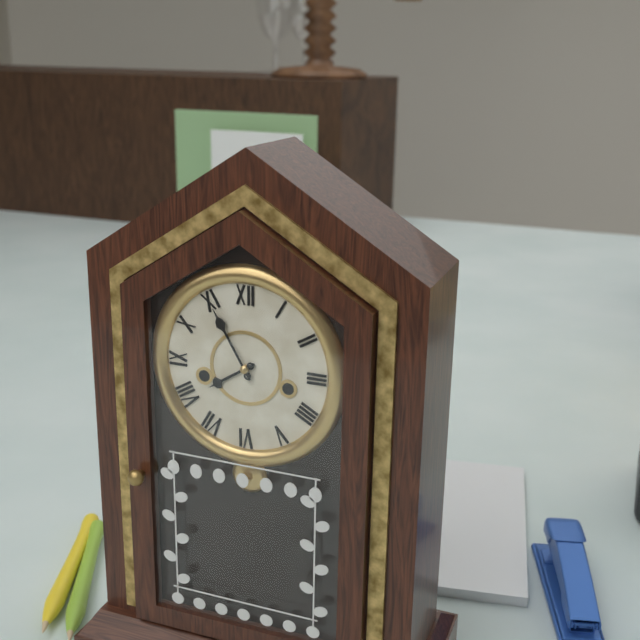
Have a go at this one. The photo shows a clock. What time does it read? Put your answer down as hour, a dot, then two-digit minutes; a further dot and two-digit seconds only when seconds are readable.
7.55
